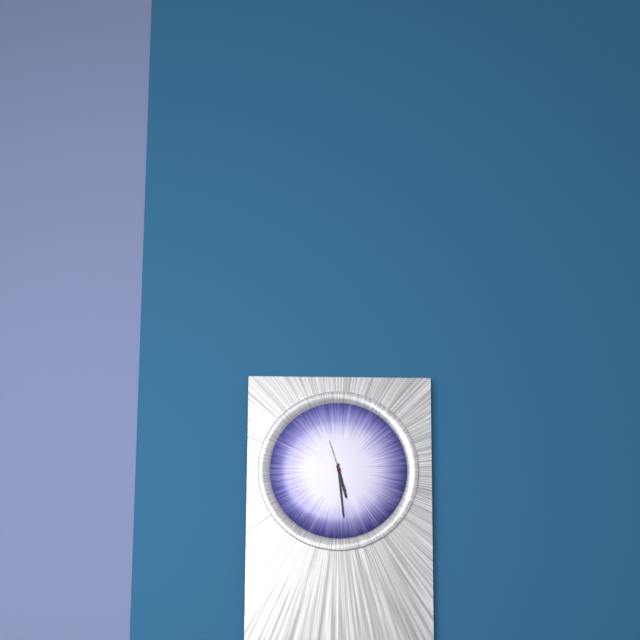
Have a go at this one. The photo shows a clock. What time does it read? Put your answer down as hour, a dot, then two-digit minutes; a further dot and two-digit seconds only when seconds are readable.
5.29
